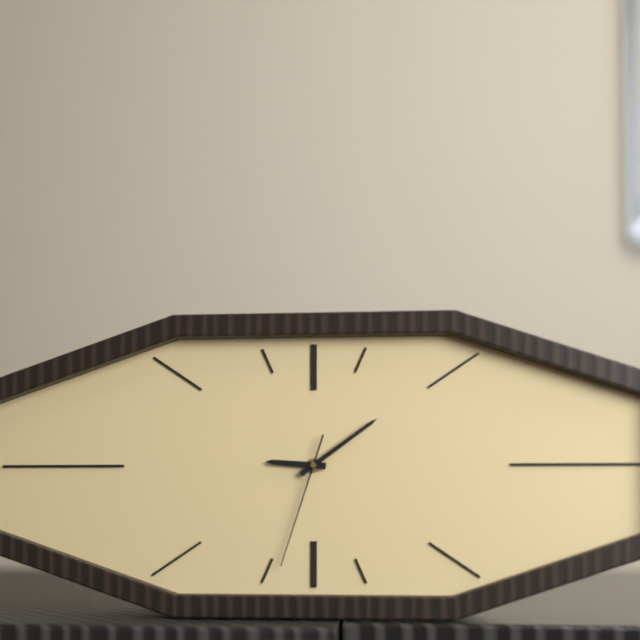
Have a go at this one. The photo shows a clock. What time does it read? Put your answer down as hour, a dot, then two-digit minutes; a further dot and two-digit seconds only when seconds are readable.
9.09.33
